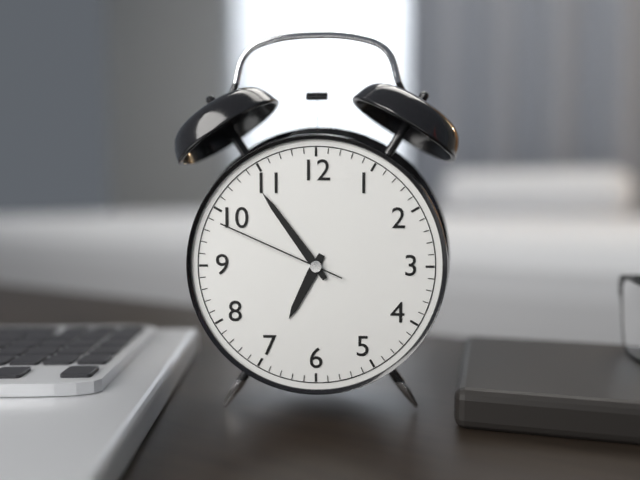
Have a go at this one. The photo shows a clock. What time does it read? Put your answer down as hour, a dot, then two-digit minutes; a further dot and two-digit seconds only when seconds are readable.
6.54.49
